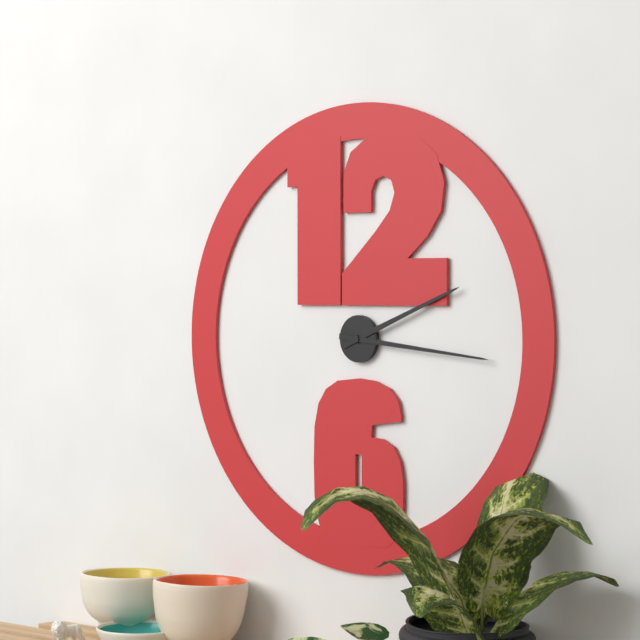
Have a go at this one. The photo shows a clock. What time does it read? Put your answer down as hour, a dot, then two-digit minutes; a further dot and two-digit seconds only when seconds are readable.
2.16
